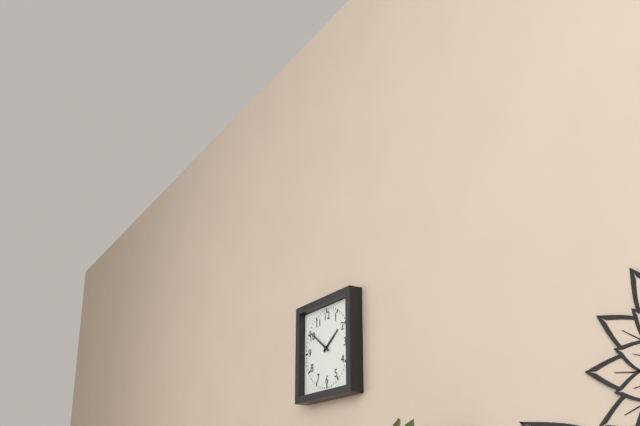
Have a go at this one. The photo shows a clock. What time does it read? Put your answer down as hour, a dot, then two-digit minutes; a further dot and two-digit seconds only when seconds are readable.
1.51
